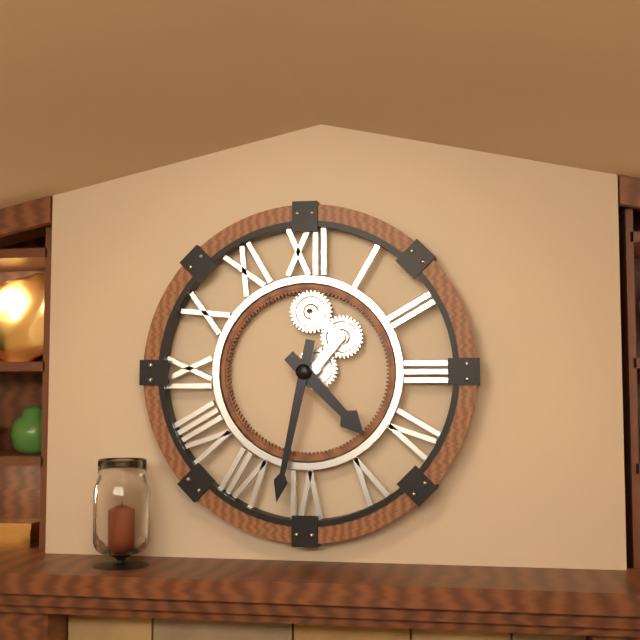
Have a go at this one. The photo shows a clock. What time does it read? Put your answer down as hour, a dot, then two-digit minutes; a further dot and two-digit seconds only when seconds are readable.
4.32
